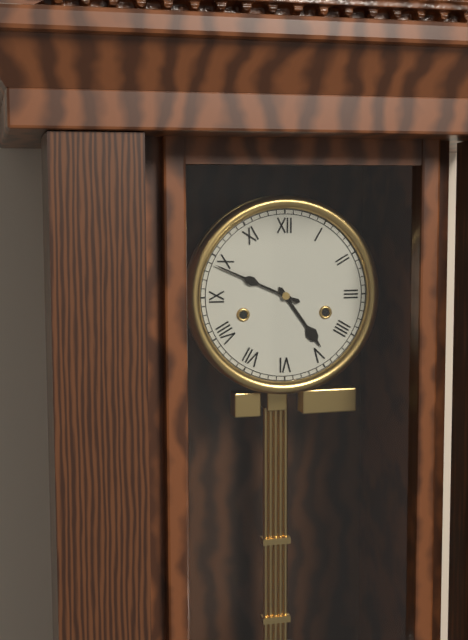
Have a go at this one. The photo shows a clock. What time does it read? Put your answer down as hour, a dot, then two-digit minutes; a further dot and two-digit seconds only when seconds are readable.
4.49
